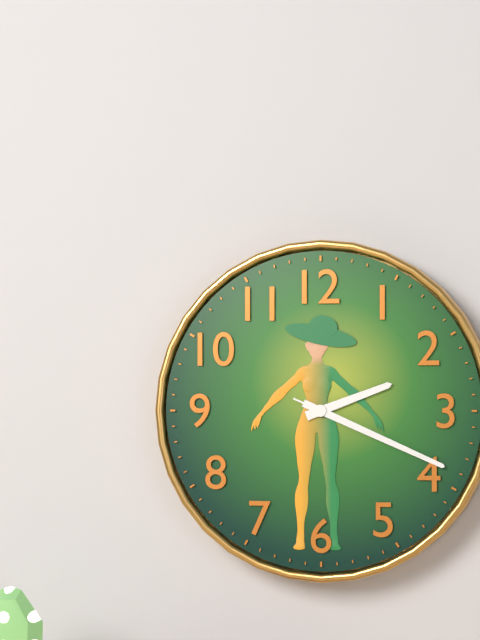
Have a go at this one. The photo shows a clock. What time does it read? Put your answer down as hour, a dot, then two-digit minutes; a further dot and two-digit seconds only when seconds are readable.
2.19.19
